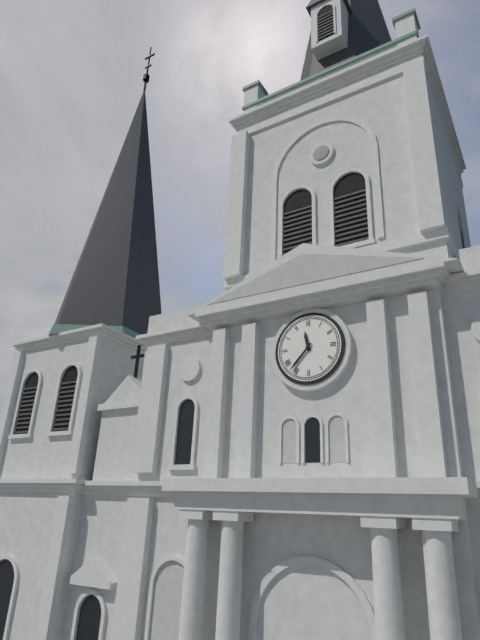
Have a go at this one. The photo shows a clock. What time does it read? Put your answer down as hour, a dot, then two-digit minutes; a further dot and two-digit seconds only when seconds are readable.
11.37
